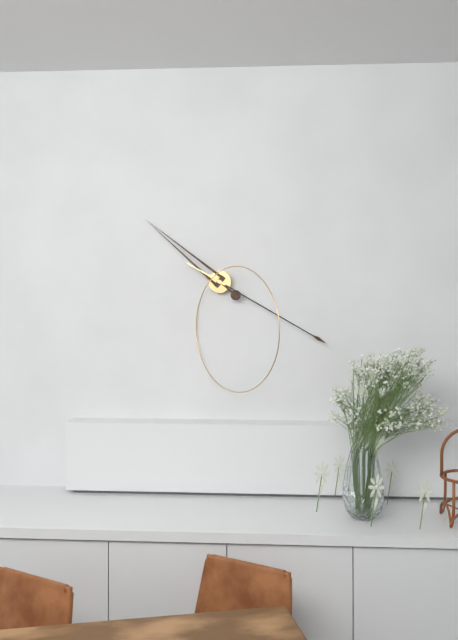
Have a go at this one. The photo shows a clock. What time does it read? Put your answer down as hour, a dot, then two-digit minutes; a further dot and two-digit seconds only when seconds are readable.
10.20
